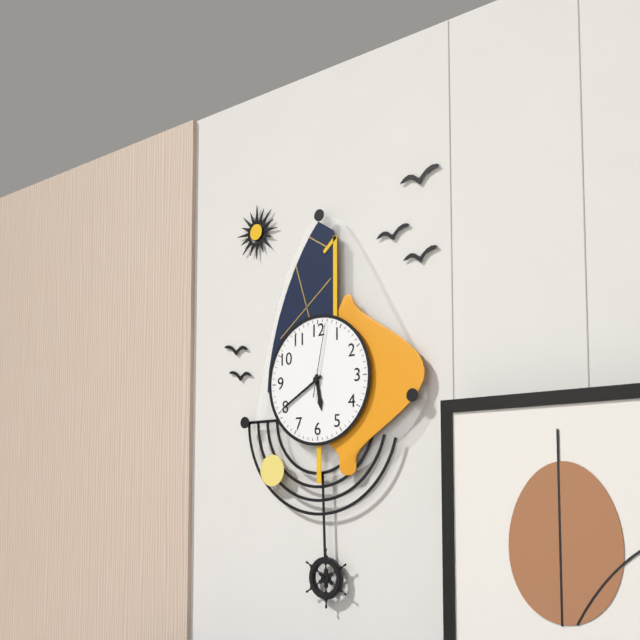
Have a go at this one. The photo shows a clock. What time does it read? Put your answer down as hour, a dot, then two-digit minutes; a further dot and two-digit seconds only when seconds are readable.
5.40.02
